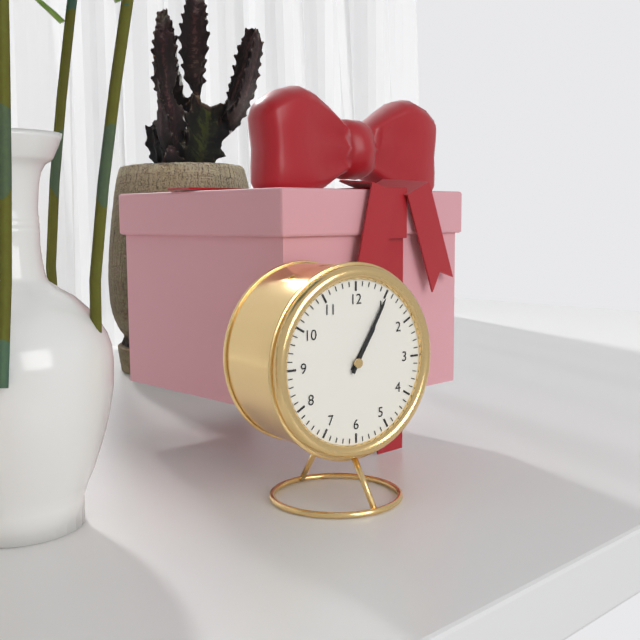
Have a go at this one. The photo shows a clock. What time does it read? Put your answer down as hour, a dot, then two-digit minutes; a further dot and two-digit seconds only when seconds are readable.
1.05
